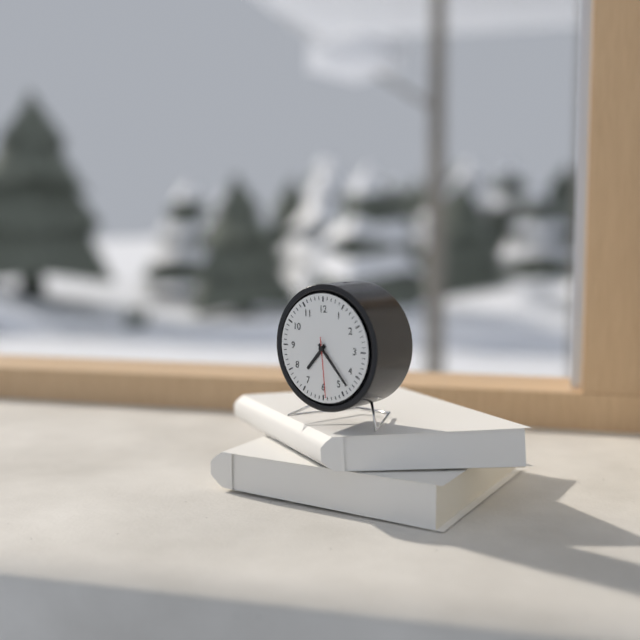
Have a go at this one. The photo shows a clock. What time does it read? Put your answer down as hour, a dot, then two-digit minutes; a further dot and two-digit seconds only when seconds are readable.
7.23.29
